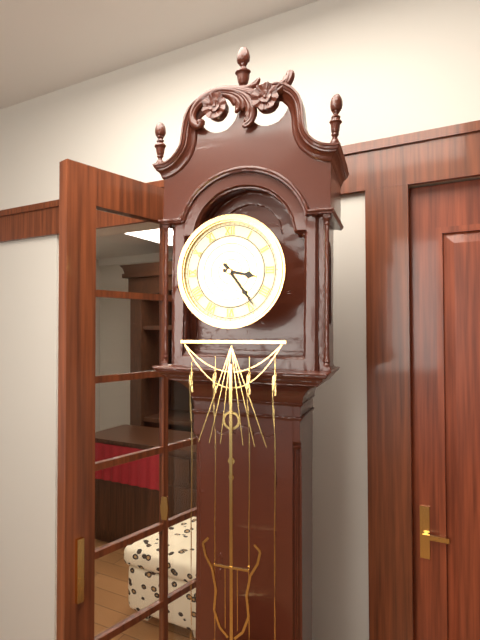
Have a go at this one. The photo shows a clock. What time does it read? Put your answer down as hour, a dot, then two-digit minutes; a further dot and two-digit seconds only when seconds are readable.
3.24
